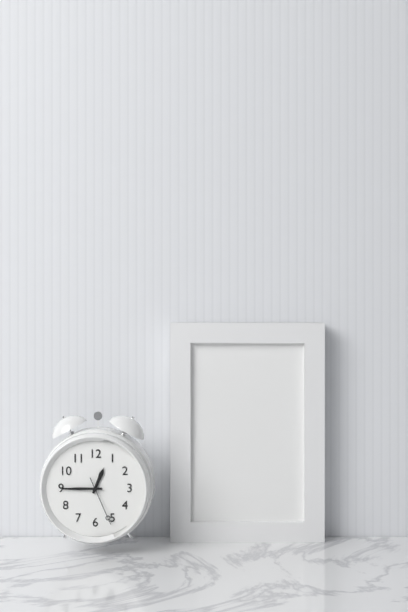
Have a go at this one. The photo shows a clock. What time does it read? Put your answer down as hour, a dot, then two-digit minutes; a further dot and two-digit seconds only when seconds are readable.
12.45
